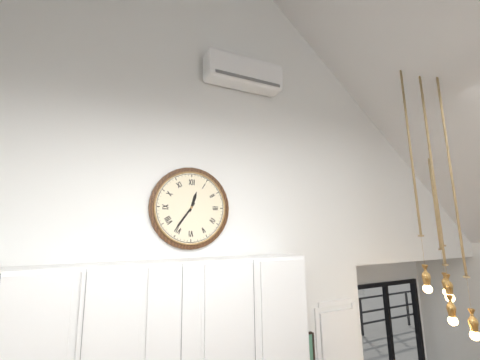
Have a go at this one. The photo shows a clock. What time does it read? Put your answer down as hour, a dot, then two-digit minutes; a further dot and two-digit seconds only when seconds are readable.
12.36
